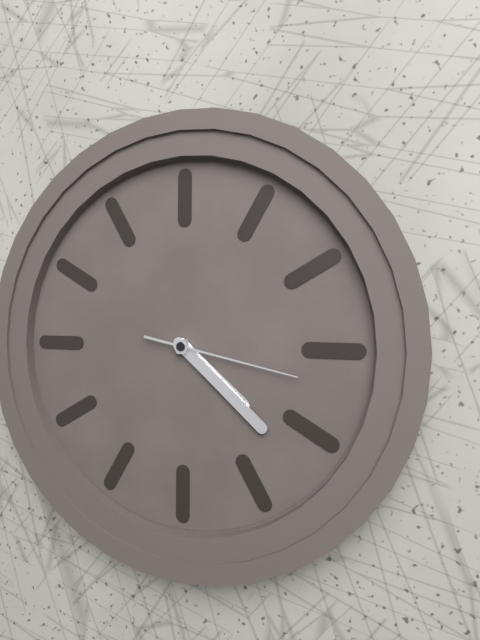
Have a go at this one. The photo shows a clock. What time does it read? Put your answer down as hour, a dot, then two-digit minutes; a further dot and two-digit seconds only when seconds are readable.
4.22.17
